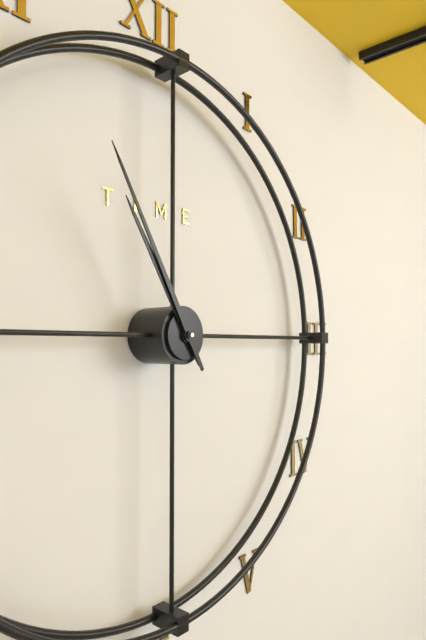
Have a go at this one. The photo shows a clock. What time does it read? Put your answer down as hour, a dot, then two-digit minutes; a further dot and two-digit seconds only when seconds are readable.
10.55
